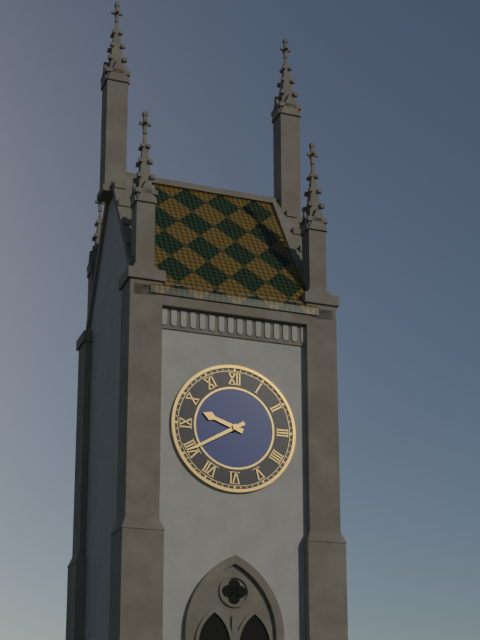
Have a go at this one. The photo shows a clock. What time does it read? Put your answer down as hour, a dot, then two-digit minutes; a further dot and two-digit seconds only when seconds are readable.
9.40
